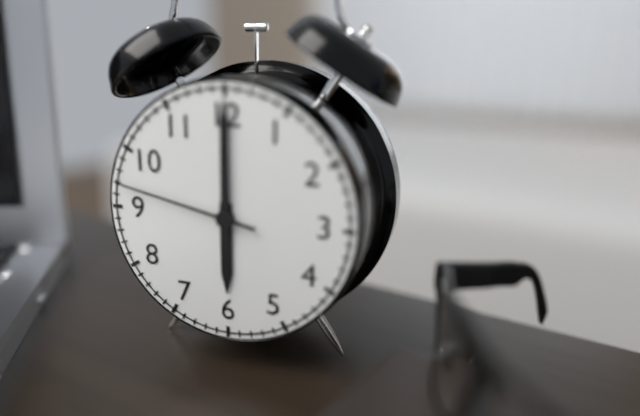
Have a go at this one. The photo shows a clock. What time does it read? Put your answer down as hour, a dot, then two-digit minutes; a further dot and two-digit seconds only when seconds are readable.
6.00.47
